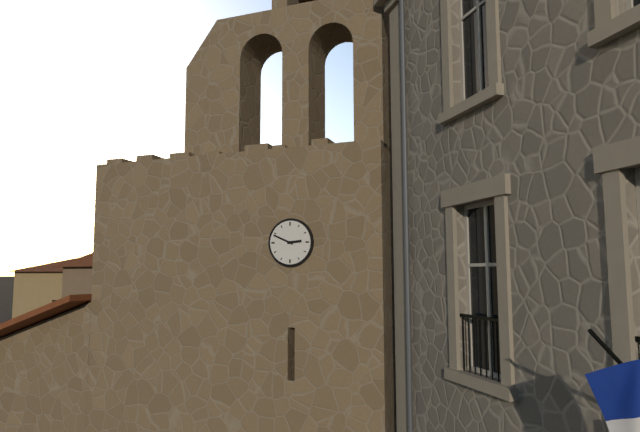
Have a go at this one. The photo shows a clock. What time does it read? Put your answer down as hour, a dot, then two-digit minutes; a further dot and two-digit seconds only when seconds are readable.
2.49
